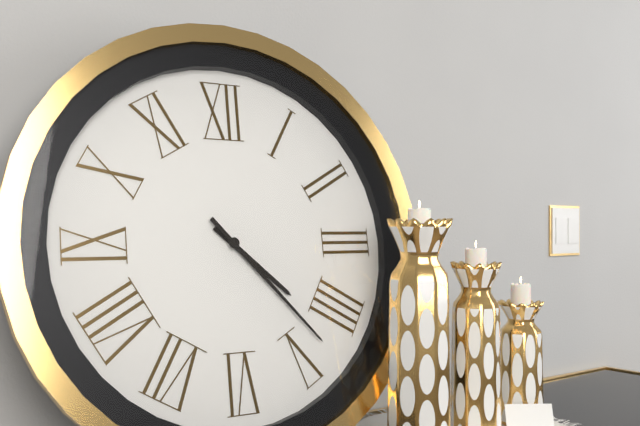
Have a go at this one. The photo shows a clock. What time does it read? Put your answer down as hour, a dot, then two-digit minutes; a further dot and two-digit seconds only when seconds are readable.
4.23
